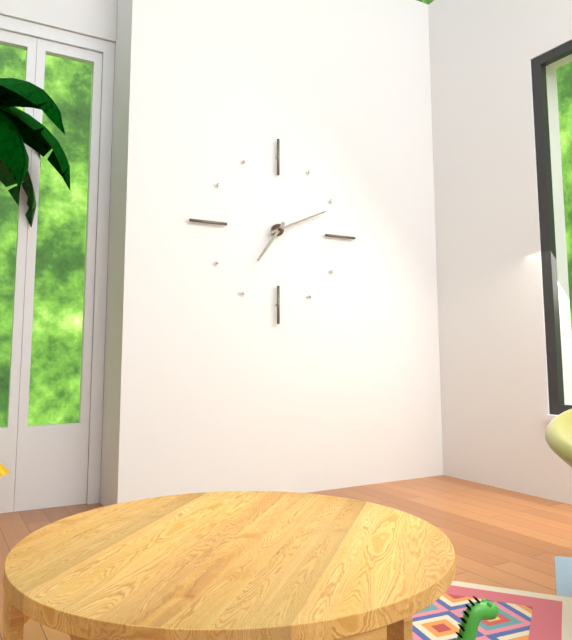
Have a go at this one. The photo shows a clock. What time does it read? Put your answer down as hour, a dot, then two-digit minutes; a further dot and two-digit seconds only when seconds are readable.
7.11
